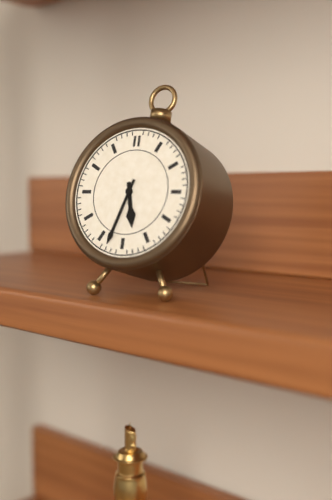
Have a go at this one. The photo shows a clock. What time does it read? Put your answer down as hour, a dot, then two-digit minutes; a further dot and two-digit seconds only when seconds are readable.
5.33
